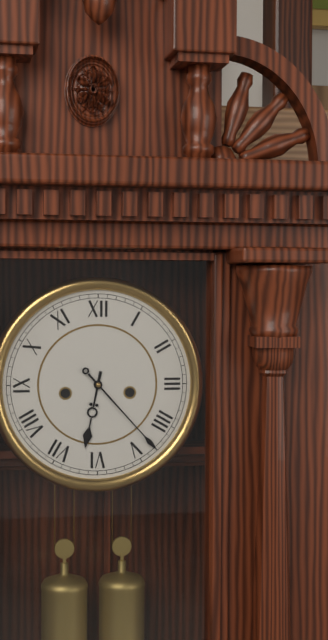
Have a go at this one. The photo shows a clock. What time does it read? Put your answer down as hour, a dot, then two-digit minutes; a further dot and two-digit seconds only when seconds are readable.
6.23
